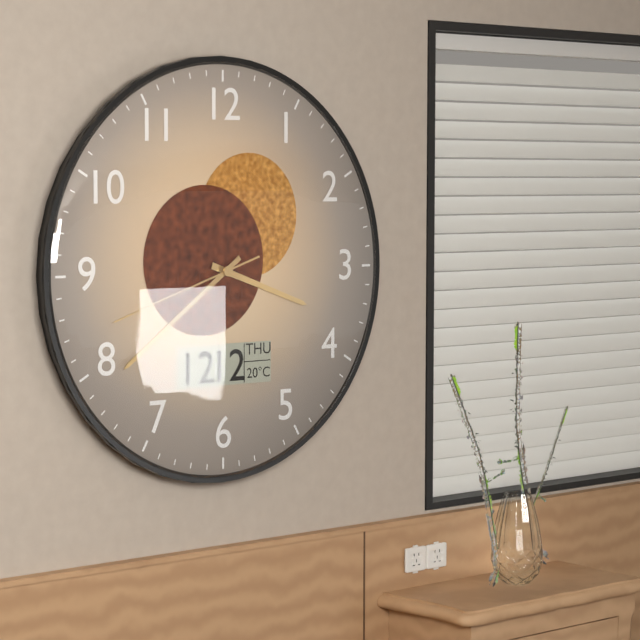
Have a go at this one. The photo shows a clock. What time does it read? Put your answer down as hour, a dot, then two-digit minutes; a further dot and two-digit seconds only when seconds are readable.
3.39.42
